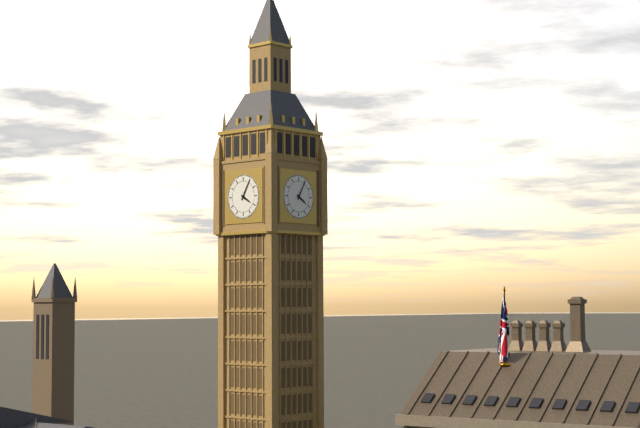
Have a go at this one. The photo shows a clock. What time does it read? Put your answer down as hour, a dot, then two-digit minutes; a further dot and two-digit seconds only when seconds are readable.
4.05
